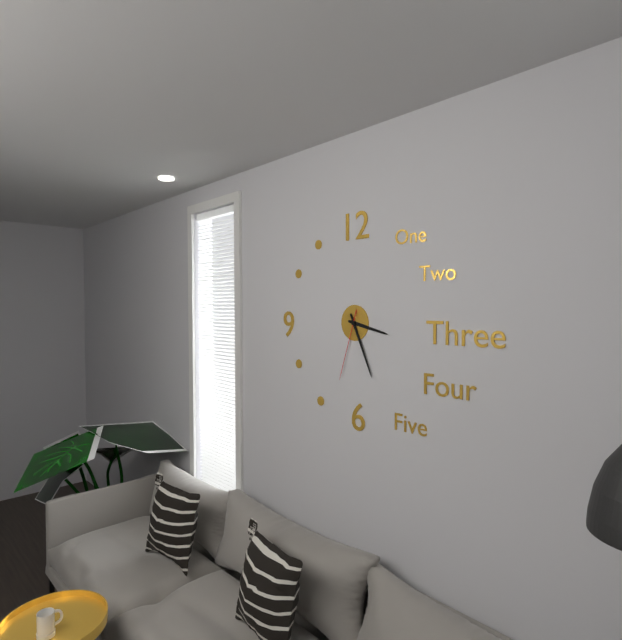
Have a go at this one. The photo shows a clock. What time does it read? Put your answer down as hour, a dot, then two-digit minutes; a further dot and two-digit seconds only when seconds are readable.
3.26.33
